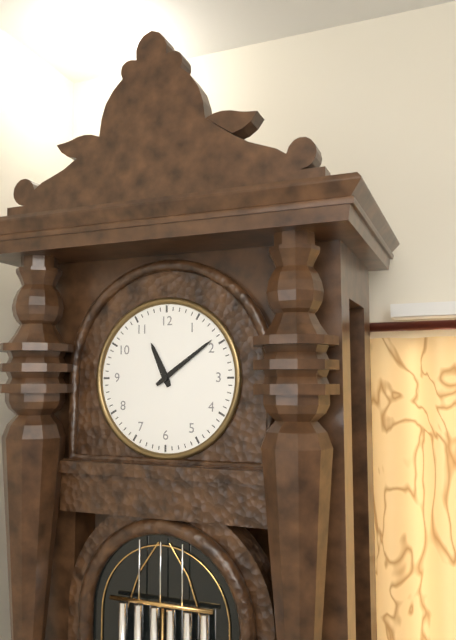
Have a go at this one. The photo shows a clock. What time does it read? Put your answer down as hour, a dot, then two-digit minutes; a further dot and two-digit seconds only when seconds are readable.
11.09
